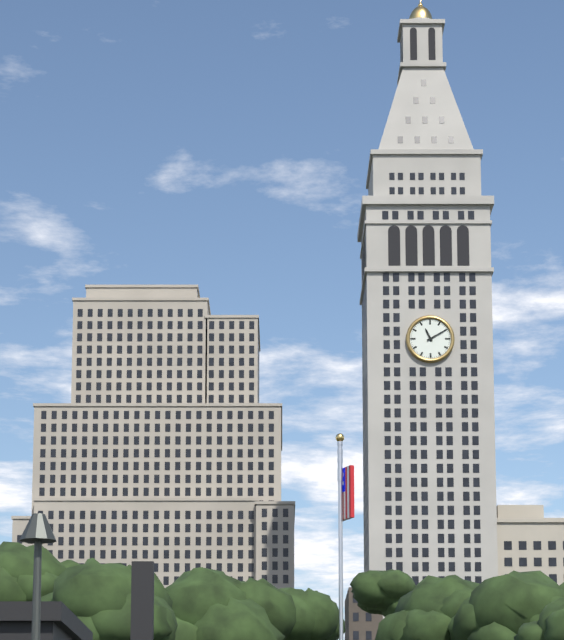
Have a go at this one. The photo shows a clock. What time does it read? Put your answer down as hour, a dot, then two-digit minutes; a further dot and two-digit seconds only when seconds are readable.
11.10
